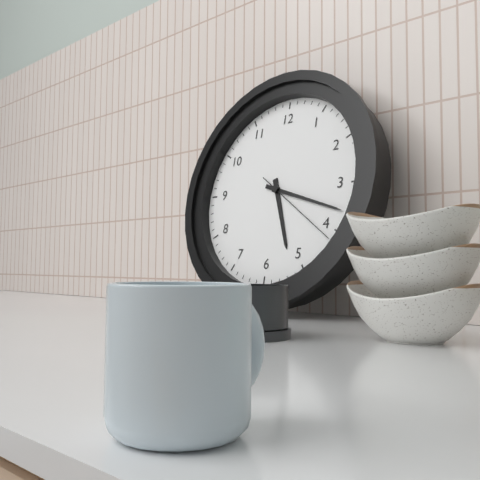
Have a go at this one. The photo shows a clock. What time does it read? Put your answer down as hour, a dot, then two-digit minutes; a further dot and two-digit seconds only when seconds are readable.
5.18.21
